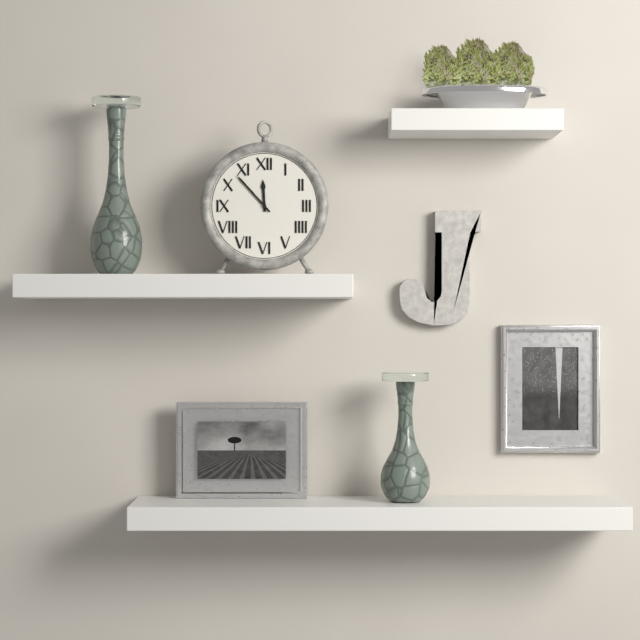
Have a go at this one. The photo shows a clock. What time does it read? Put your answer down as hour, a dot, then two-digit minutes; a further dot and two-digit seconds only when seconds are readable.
11.53
